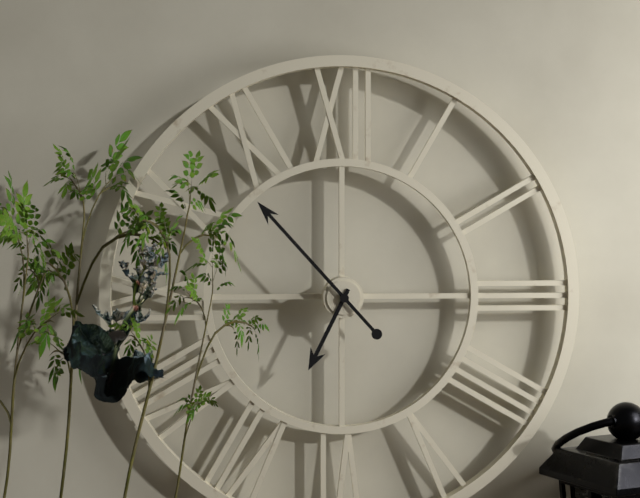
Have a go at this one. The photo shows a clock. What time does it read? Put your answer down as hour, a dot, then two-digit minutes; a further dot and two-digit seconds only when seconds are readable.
6.53
